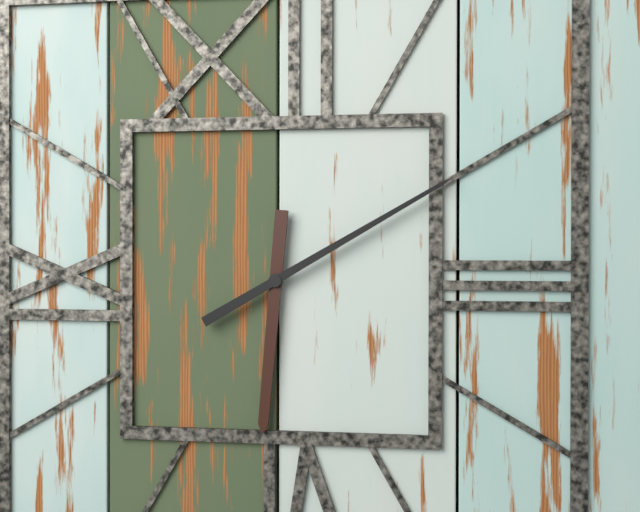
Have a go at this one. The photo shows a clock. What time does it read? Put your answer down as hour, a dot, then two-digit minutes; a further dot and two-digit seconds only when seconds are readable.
6.10
